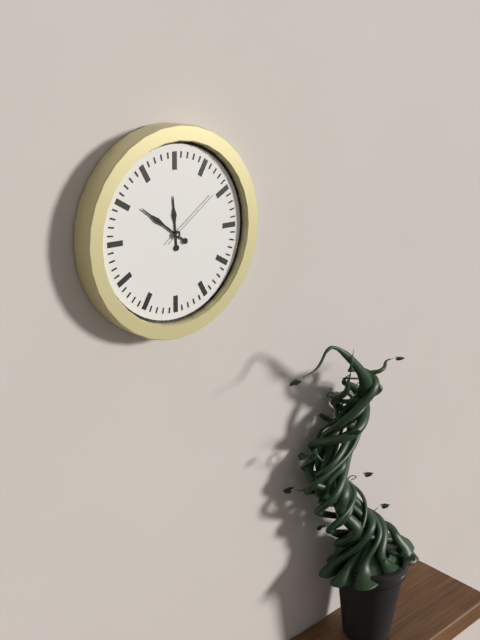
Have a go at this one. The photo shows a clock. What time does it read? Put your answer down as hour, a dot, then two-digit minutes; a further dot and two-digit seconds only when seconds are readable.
11.51.09
